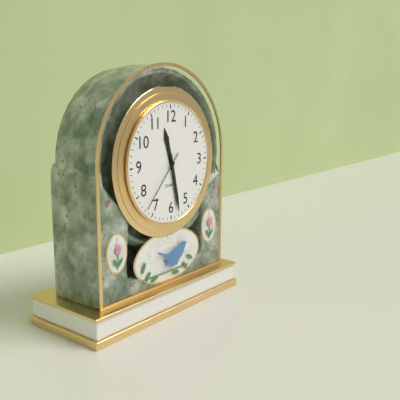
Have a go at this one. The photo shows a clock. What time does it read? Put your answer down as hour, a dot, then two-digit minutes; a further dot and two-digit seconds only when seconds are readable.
11.28.37
